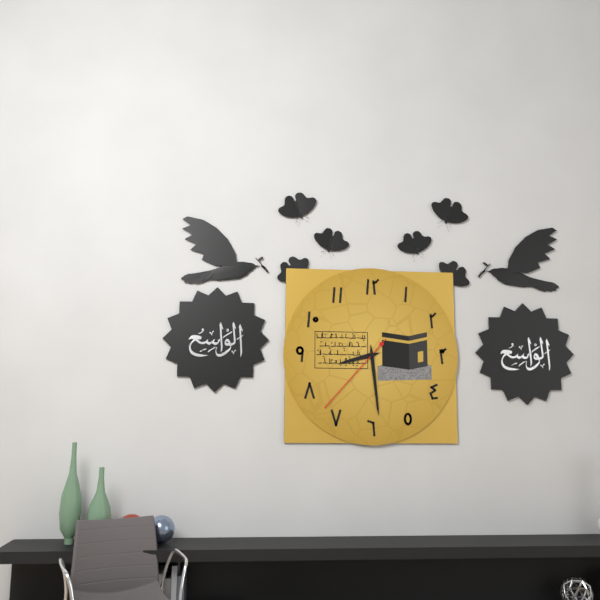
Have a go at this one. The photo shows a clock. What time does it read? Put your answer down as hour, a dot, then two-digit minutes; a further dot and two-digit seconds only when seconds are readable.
8.29.37
